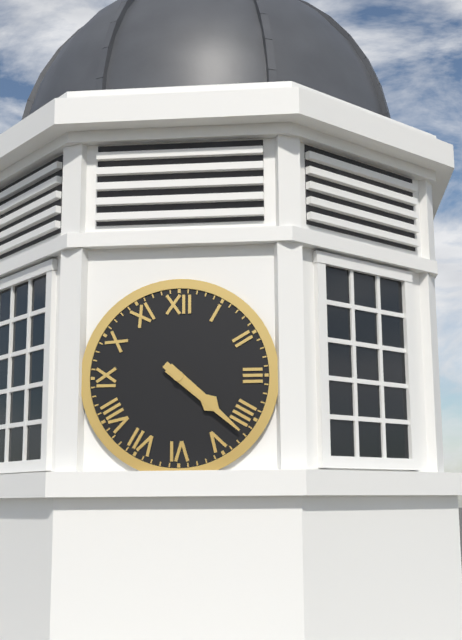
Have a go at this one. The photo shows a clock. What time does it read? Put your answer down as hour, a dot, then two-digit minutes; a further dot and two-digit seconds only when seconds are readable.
4.22
